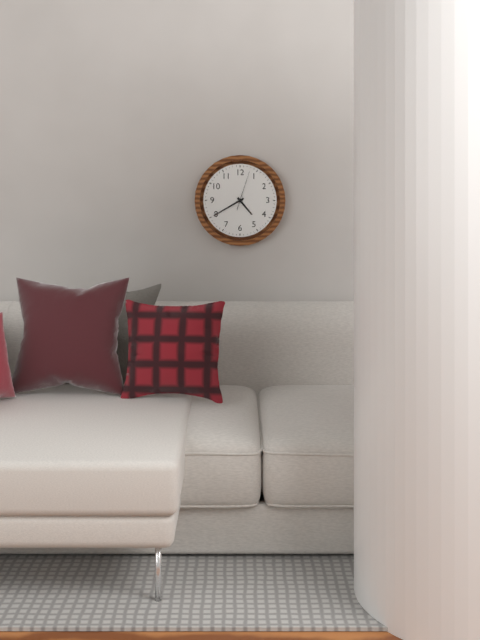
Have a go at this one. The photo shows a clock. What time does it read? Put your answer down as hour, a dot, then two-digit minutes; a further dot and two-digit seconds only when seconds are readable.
4.40
